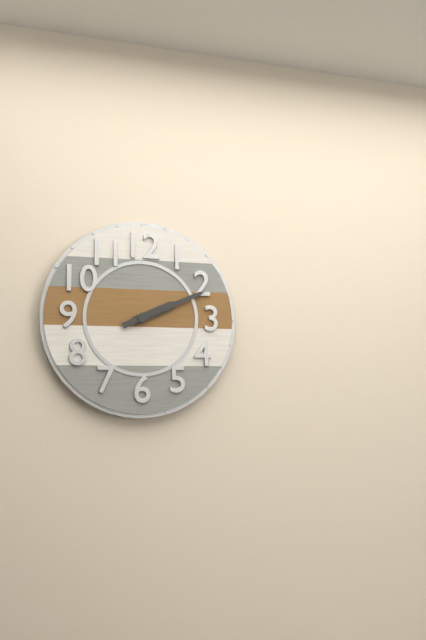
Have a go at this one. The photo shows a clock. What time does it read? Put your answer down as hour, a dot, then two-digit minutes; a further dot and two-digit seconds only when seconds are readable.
2.11
